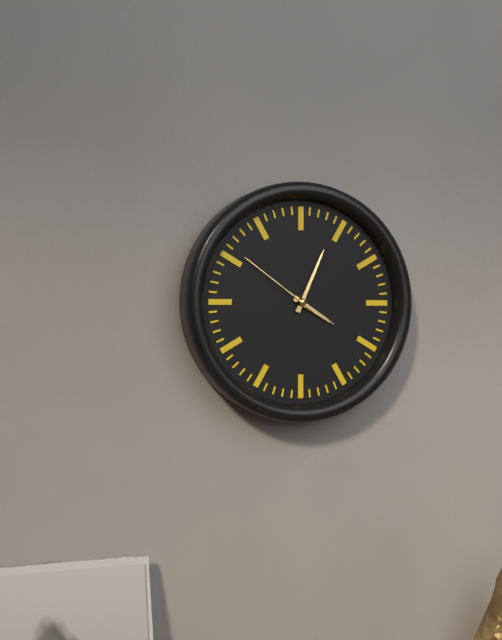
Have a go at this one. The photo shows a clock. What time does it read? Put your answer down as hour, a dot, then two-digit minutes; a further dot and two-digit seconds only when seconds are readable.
4.04.51
